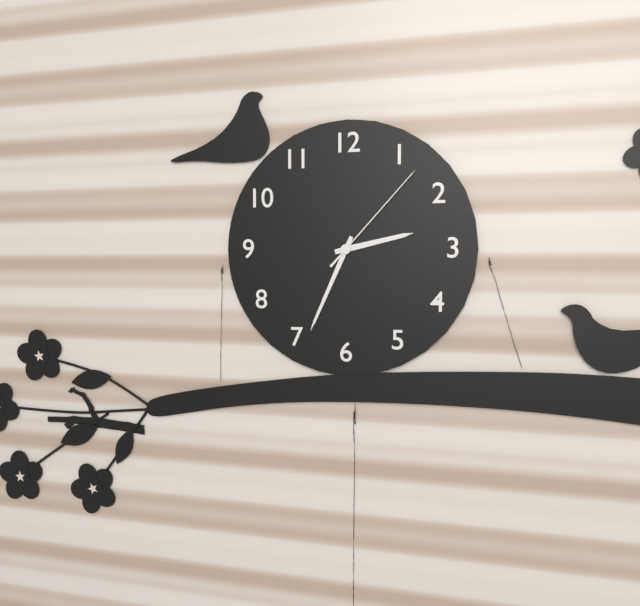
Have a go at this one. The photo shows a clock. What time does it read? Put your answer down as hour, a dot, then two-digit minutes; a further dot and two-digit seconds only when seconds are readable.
2.34.07
